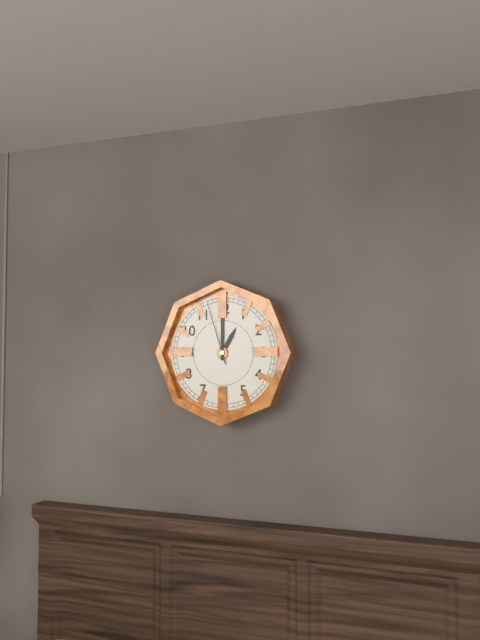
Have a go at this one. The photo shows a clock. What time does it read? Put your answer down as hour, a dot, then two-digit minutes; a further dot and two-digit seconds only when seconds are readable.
1.00.57
